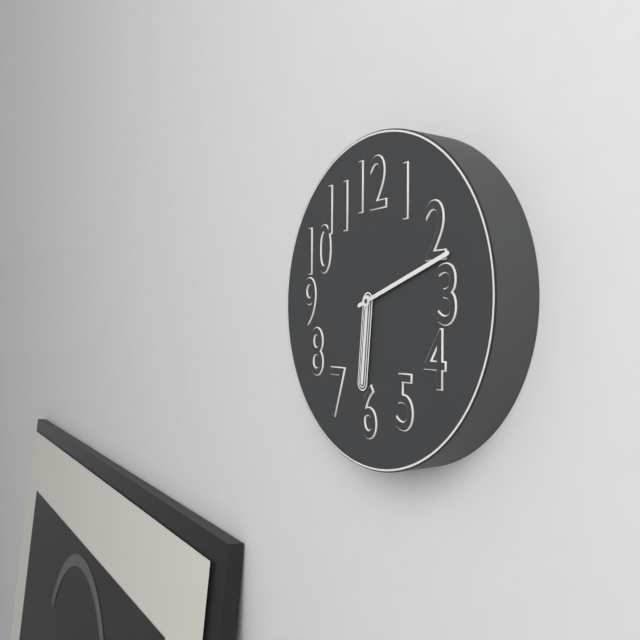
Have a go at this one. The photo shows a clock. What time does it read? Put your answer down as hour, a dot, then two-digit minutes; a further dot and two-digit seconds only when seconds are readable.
6.12
